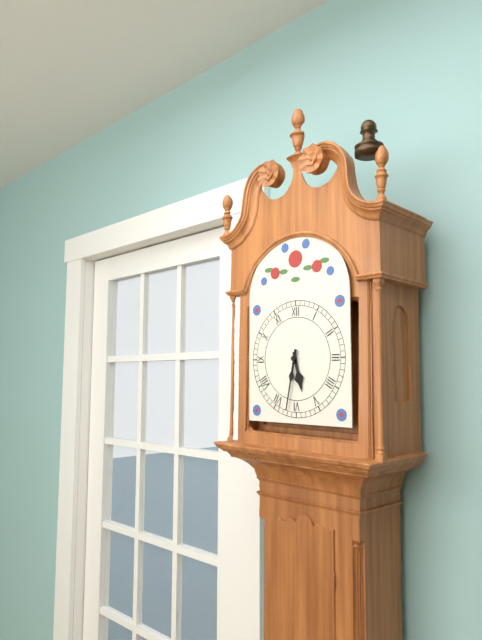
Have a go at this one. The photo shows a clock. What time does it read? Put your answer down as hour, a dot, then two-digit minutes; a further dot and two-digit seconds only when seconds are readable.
5.32
